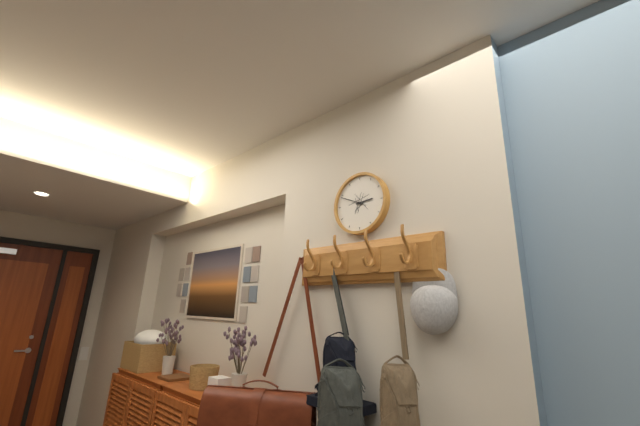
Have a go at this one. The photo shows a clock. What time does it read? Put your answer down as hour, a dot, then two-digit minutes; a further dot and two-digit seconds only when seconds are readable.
2.49
